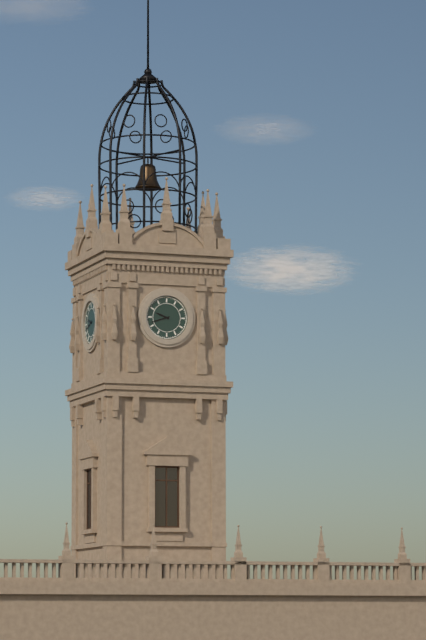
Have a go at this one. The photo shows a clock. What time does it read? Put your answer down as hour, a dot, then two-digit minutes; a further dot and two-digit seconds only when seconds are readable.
9.42
